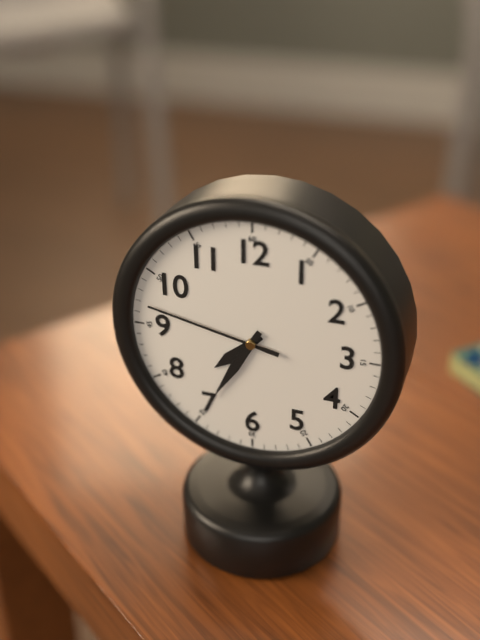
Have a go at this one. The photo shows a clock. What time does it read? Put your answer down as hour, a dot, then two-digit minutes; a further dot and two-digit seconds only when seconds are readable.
7.35.47
